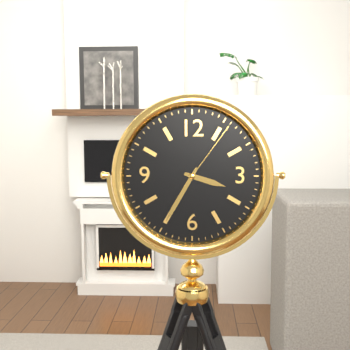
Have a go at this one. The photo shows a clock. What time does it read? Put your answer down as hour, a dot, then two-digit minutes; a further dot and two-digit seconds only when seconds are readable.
3.35.06
